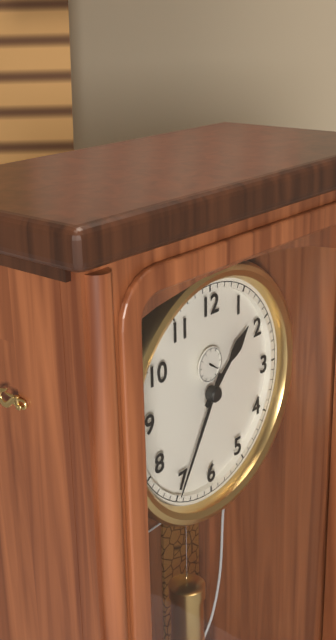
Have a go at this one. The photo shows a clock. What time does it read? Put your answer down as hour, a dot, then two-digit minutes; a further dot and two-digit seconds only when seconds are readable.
1.35
